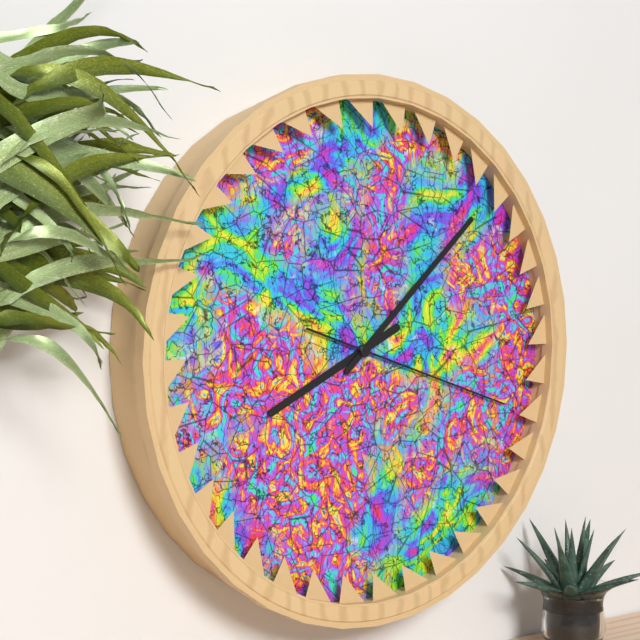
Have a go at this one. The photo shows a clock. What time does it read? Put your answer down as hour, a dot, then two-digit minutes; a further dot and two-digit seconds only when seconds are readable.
8.08.18
